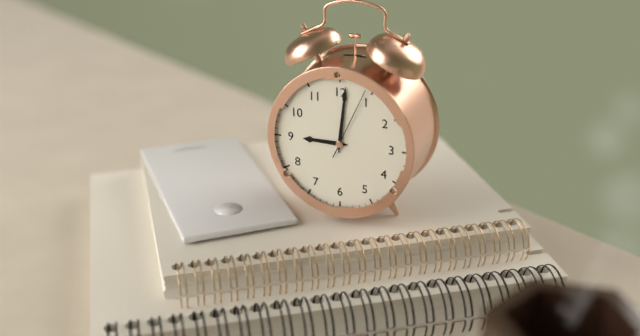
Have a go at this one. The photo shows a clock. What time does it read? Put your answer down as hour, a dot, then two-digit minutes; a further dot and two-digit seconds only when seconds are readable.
9.01.04
